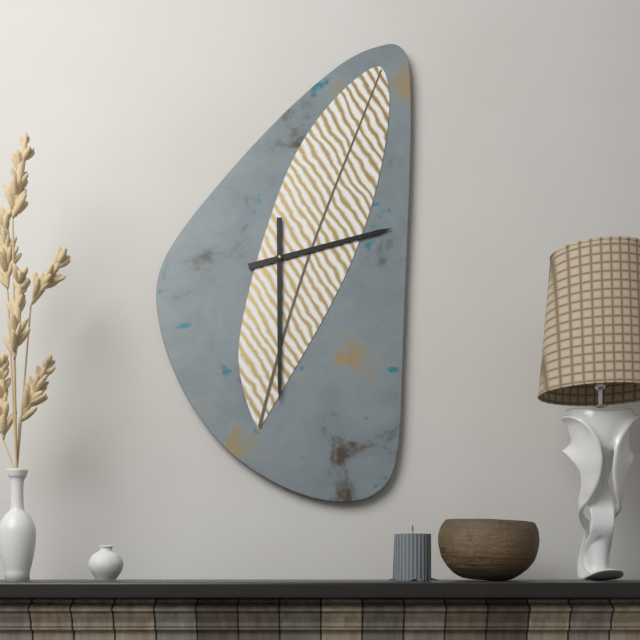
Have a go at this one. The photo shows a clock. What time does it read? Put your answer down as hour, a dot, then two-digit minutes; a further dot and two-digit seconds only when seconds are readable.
2.30
